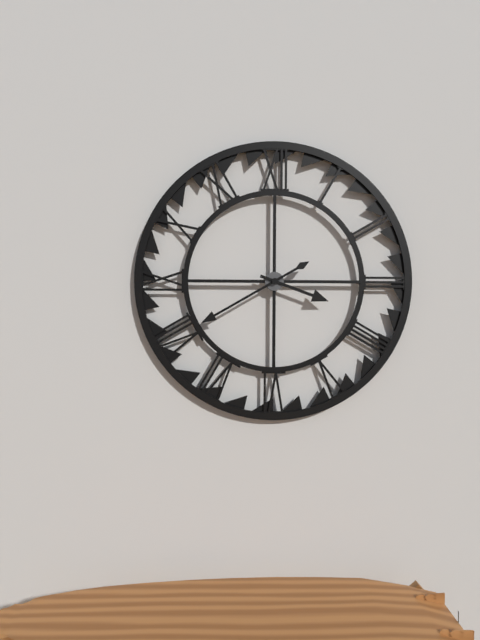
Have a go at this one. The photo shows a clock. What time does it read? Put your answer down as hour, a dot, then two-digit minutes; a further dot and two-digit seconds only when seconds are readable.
3.40
